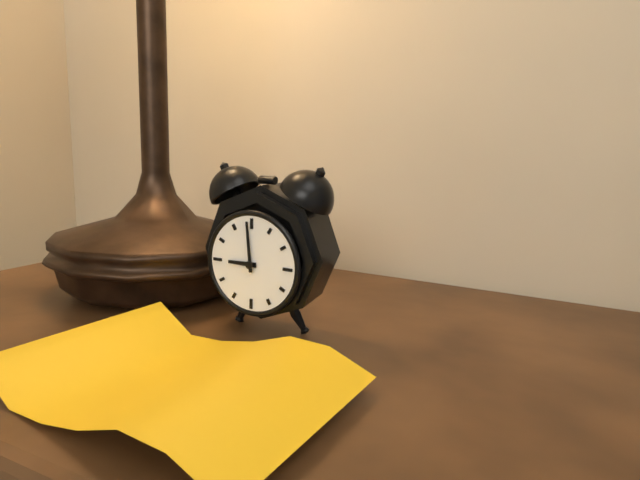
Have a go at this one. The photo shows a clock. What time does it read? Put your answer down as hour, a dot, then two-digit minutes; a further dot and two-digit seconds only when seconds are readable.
8.59
